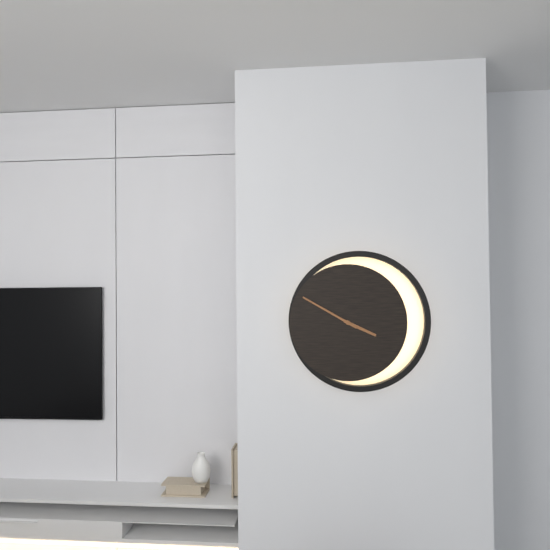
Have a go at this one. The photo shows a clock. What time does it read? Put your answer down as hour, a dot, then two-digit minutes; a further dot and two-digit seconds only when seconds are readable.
3.50
